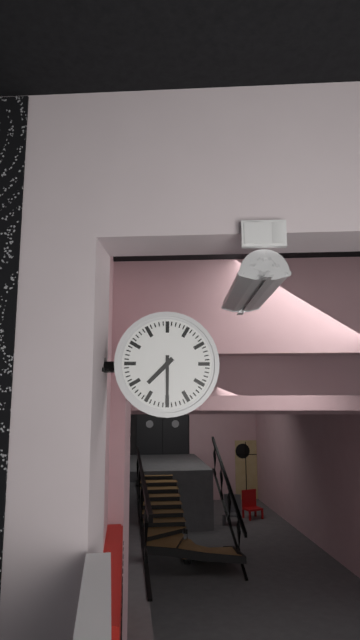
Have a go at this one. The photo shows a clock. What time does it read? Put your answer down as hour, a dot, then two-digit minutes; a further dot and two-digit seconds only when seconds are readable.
7.30
